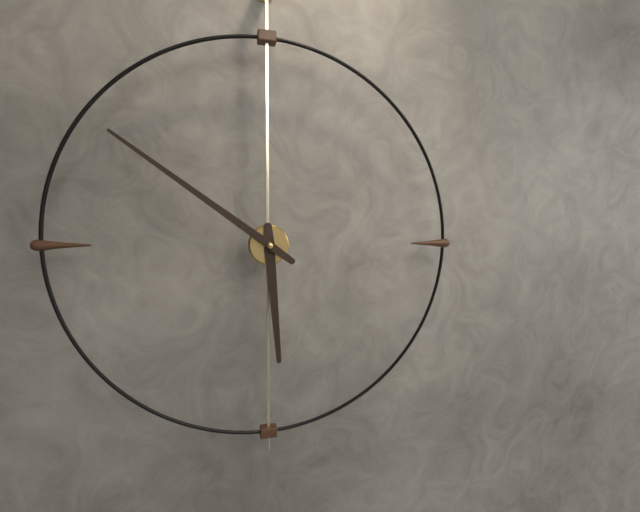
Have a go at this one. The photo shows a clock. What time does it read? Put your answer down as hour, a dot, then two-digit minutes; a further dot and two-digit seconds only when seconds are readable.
5.51
